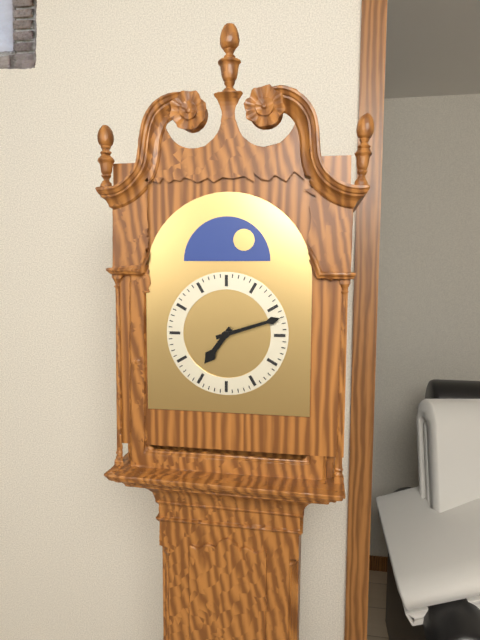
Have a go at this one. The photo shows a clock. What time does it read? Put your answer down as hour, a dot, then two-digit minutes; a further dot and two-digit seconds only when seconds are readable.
7.12
